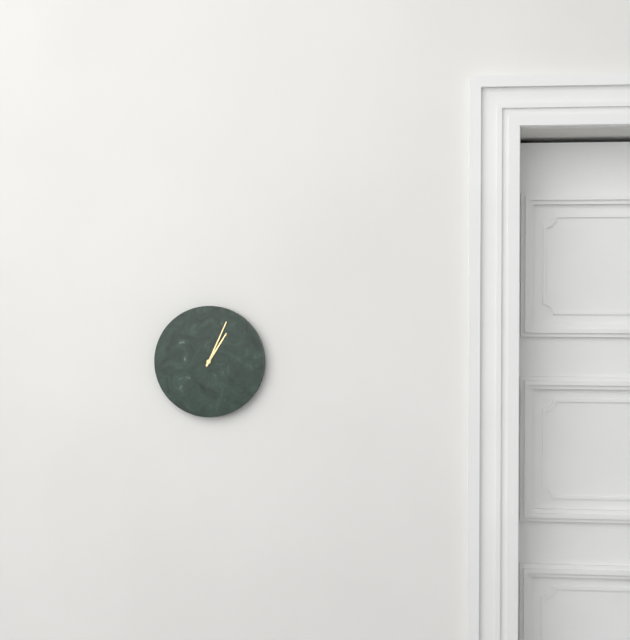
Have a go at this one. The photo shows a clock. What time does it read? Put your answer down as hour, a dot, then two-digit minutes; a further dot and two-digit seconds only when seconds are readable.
1.04
